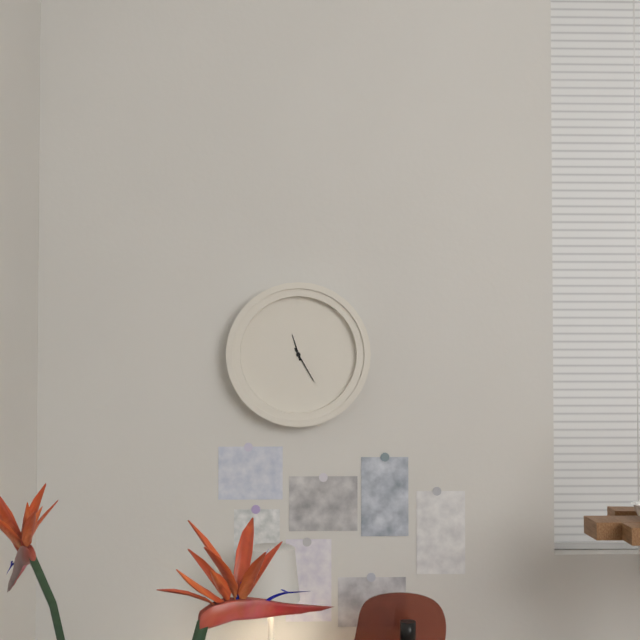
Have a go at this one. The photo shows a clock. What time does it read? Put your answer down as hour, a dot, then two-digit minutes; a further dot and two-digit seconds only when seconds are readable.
11.25
